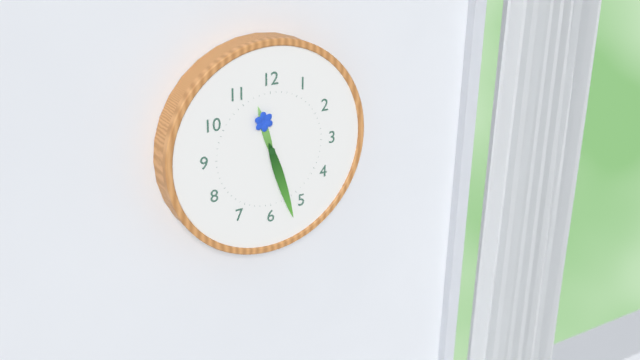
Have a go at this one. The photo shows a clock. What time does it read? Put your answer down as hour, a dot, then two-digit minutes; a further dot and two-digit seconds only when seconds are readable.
11.27
